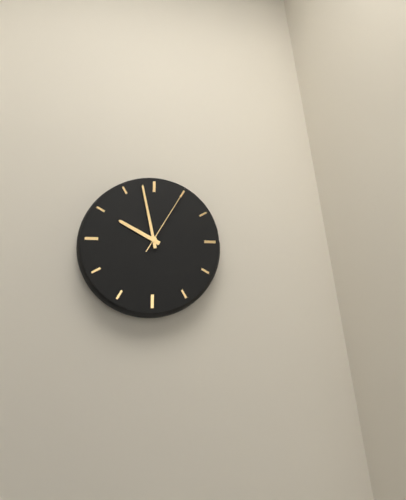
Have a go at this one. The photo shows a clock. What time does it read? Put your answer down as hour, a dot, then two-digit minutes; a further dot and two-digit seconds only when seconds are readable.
9.58.05
